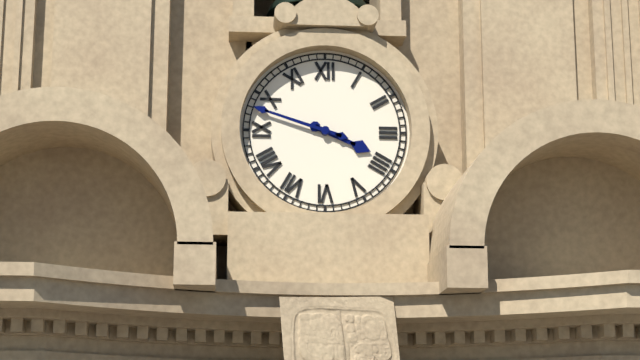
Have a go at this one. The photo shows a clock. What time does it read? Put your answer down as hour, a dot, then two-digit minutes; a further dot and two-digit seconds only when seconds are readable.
3.48
